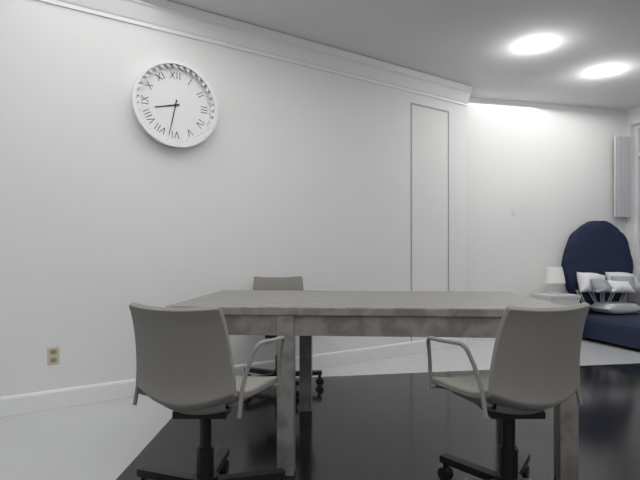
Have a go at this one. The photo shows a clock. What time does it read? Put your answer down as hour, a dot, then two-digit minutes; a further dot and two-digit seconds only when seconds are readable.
8.32
